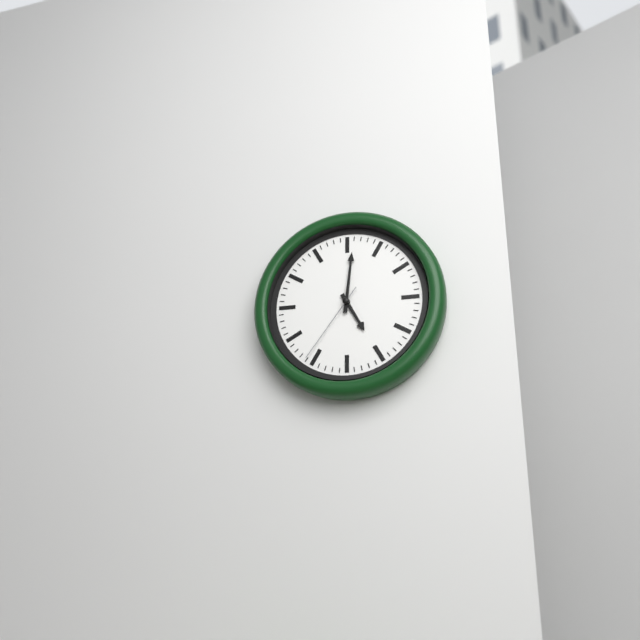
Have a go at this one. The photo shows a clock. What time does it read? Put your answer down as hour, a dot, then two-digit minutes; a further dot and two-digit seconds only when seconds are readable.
5.01.36
